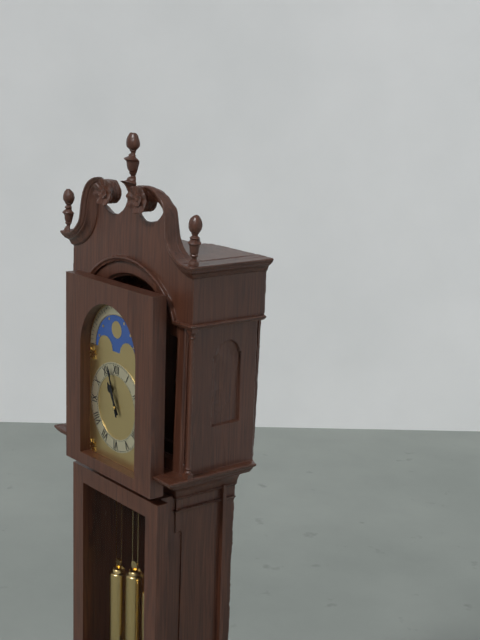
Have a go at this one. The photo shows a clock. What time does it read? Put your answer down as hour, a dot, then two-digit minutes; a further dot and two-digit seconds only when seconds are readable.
10.57
